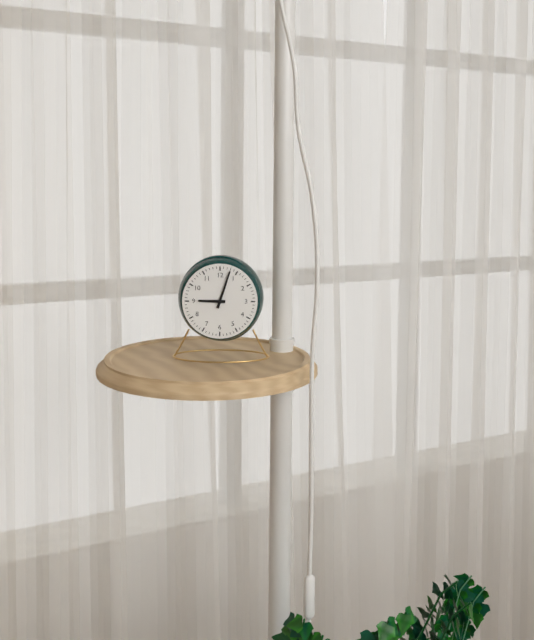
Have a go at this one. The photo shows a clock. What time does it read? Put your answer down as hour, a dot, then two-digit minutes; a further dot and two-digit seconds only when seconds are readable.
9.03
